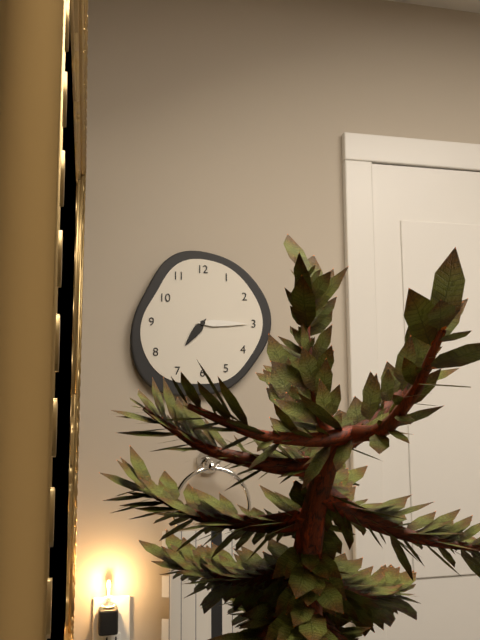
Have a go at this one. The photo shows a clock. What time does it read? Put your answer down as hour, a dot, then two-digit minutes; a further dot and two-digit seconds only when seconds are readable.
7.15
